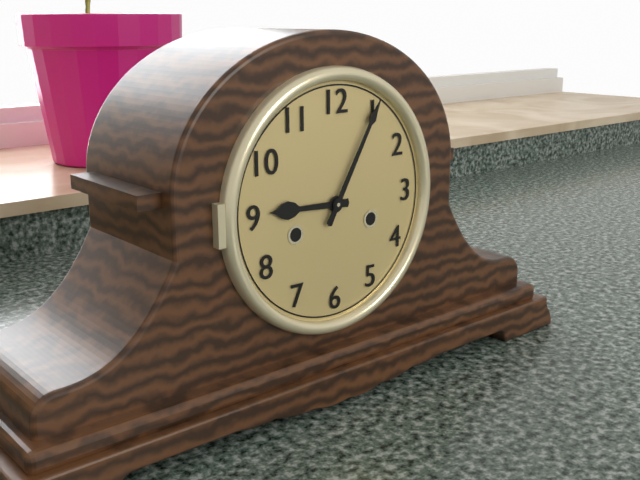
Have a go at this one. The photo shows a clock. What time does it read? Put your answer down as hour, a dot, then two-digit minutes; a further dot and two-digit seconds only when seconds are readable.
9.05
